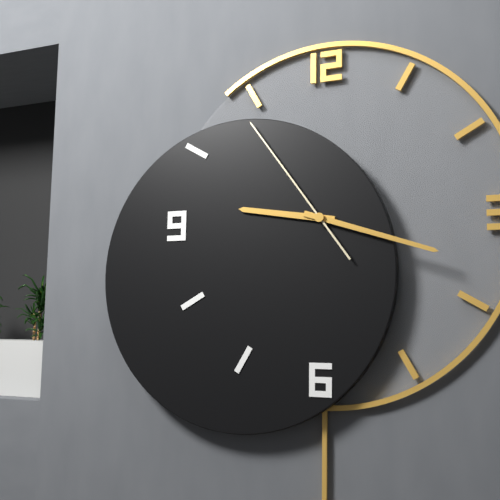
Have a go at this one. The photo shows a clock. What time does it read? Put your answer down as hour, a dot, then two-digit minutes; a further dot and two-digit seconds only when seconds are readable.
9.18.54
